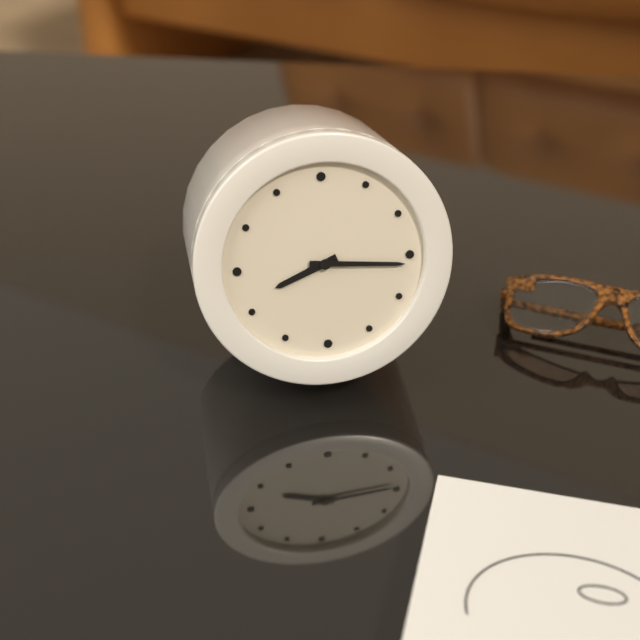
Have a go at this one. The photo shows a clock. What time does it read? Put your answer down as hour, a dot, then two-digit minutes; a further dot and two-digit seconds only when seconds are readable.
8.16
